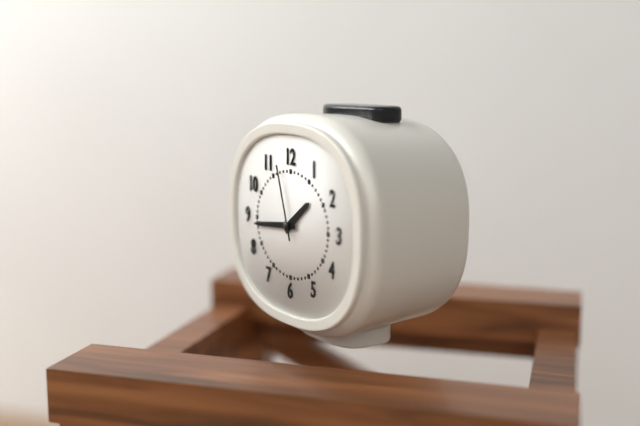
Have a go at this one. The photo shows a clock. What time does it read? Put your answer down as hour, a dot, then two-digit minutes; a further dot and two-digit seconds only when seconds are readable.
1.44.57
